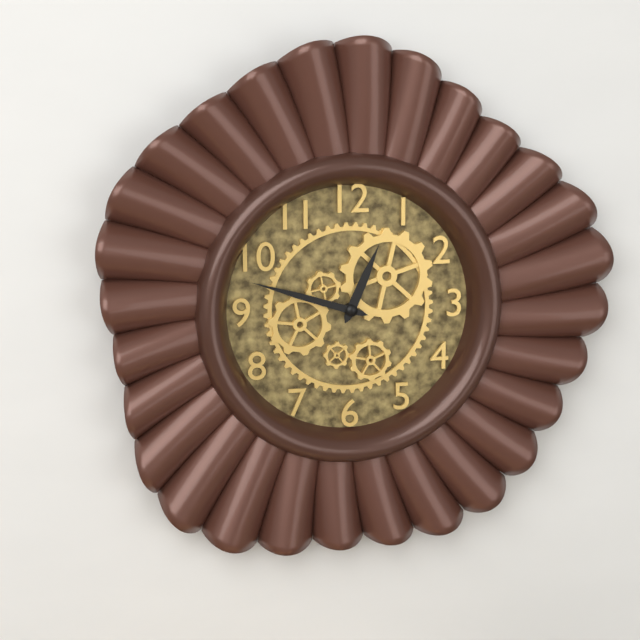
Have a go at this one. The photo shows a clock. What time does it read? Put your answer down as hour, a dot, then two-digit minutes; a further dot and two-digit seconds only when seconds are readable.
12.48
